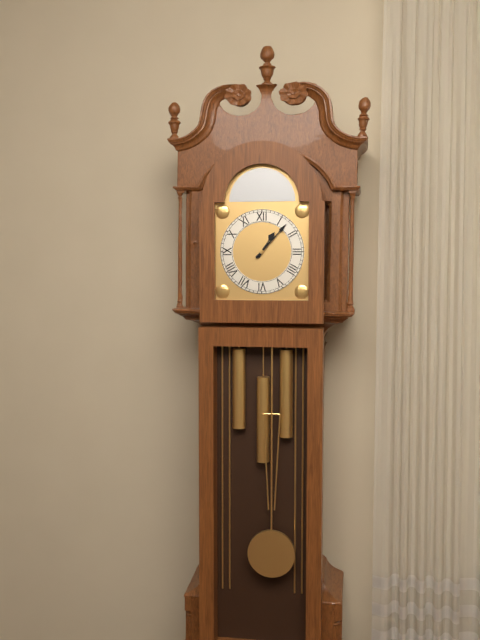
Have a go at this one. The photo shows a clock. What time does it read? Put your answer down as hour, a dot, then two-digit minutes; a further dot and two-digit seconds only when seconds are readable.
1.07
